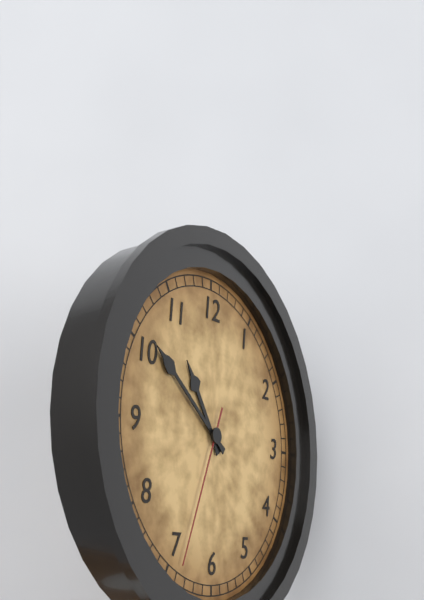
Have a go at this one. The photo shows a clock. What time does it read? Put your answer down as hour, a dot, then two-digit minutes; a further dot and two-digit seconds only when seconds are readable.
10.51.34
